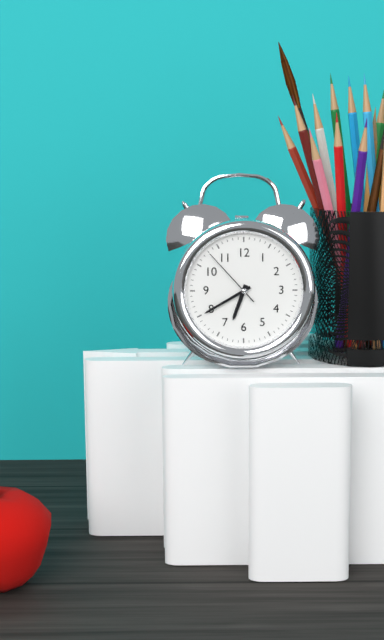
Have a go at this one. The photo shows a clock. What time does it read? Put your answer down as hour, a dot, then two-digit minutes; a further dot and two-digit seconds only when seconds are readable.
6.40.53
